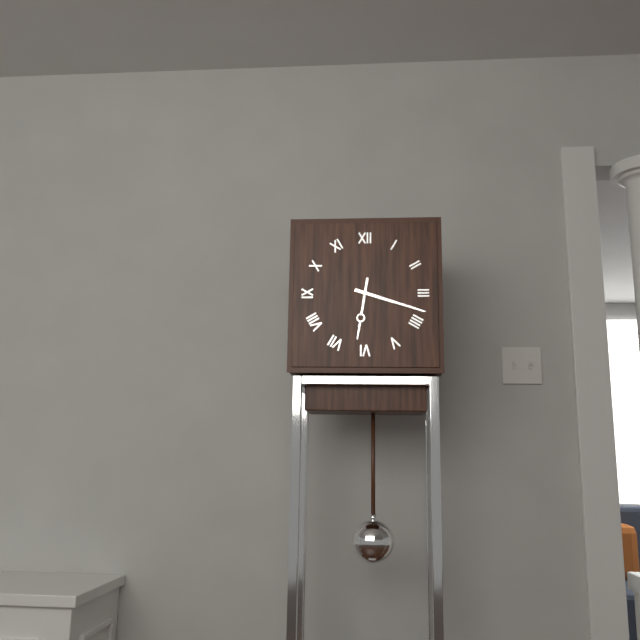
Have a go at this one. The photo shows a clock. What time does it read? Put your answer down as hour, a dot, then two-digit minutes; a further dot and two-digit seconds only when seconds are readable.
6.18
